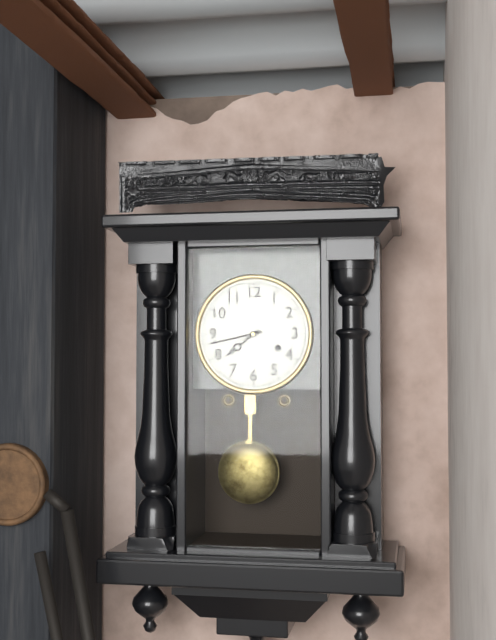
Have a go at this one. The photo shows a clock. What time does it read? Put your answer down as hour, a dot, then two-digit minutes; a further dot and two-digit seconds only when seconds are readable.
7.43
